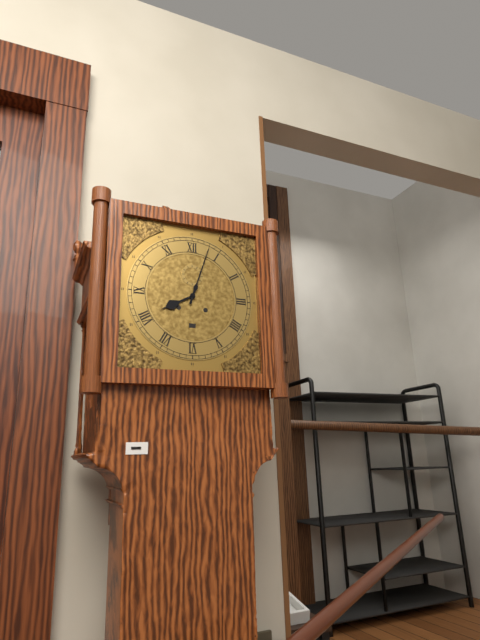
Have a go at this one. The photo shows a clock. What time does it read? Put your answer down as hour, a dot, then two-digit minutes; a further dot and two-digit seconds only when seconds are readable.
8.03
